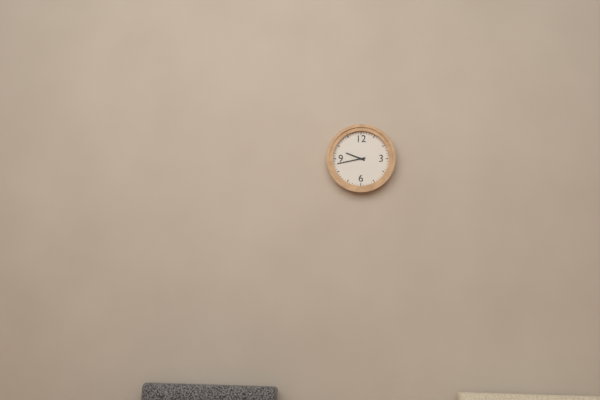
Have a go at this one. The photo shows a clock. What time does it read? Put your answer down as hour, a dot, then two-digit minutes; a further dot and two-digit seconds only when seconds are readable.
9.43
